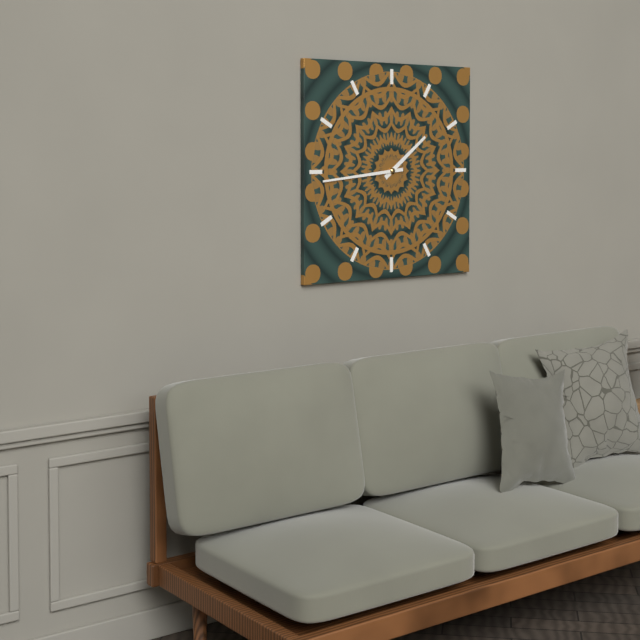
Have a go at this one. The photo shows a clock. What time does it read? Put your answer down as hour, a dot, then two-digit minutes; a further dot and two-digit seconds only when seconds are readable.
1.44
